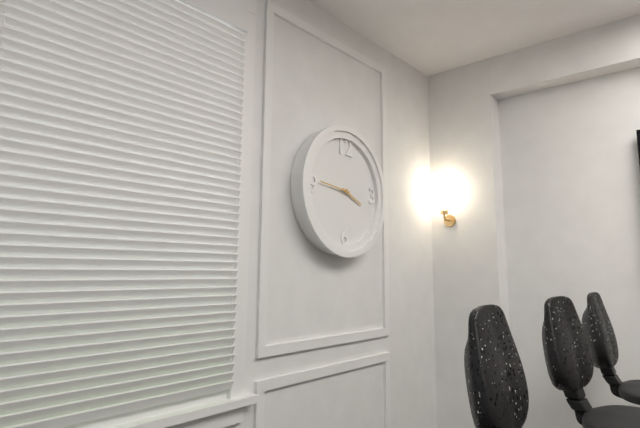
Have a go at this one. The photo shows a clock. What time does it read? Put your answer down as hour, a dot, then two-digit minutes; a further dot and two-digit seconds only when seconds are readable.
3.46
